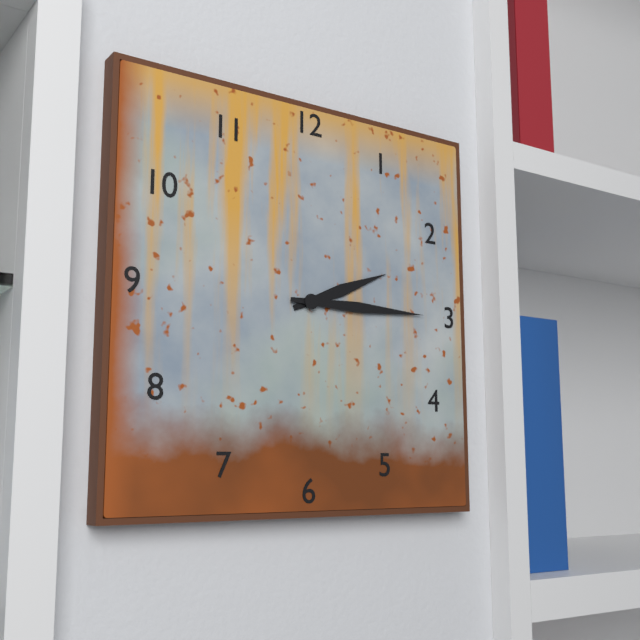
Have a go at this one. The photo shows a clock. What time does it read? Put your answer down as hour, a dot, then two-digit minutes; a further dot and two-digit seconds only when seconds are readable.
2.15
